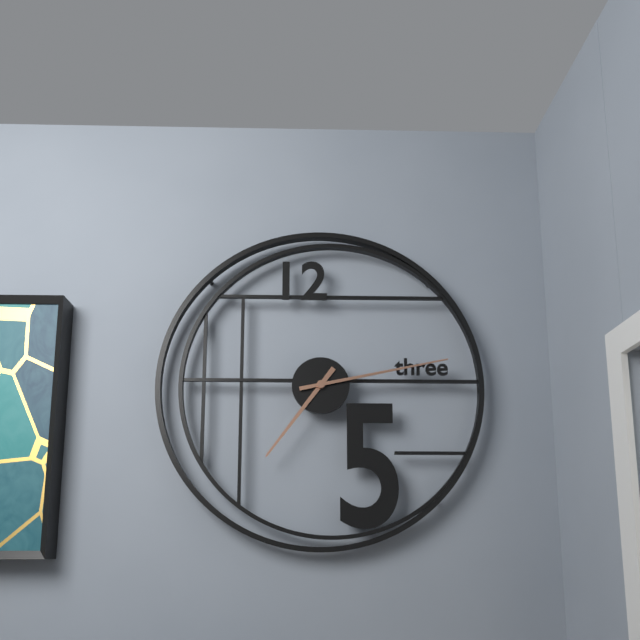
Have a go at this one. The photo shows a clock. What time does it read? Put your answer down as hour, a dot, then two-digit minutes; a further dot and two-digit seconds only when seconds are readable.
7.13
